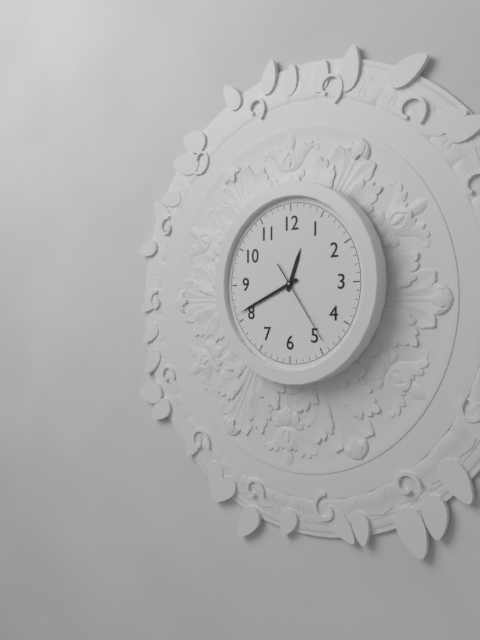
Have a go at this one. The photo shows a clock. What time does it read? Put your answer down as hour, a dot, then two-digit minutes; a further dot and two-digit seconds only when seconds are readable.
12.41.24
